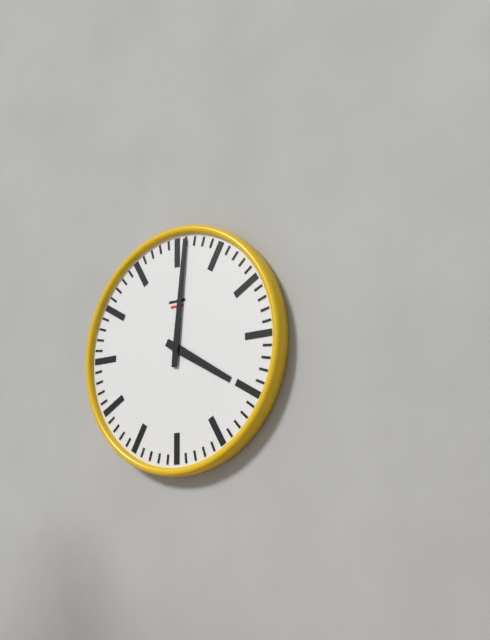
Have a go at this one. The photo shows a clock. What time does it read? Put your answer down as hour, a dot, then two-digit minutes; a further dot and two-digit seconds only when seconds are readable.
4.01
